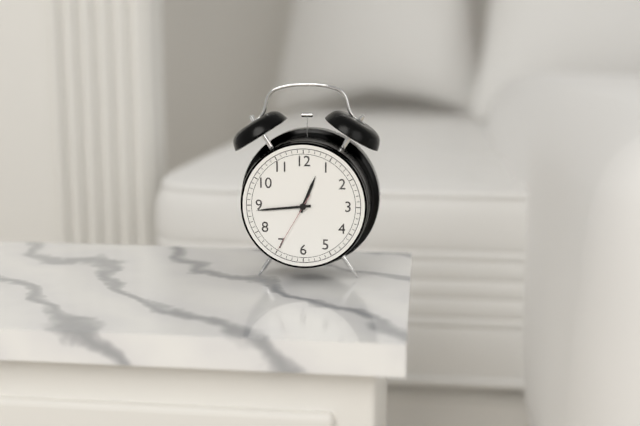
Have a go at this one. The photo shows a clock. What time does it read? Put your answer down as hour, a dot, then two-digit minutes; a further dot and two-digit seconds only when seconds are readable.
12.44.35
